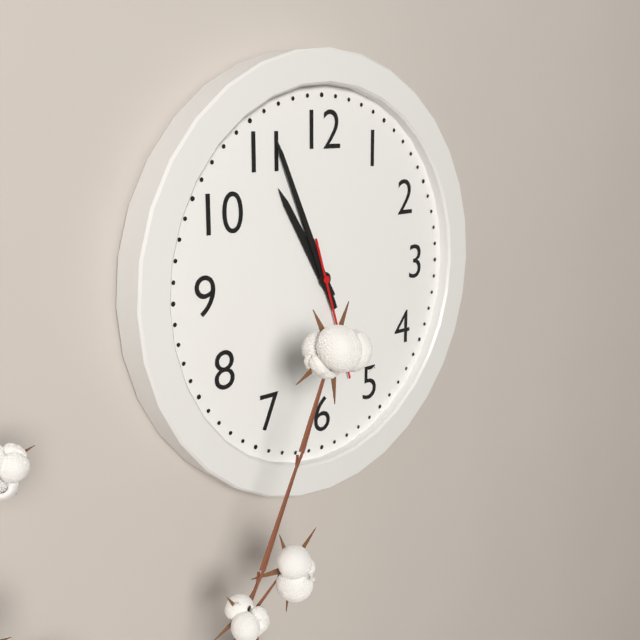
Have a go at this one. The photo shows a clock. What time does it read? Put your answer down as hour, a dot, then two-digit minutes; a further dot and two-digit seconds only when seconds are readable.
10.56
